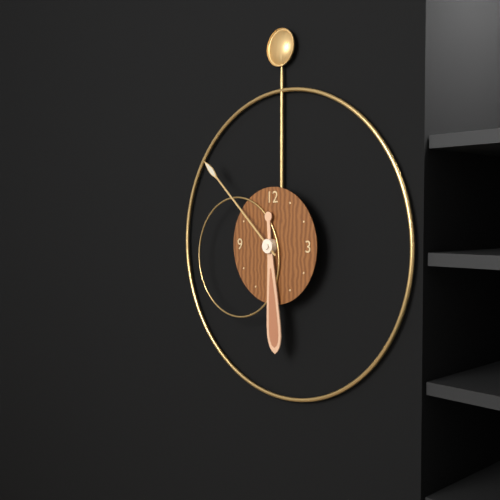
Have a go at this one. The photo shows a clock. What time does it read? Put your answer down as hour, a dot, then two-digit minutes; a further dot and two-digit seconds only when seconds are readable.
5.52
